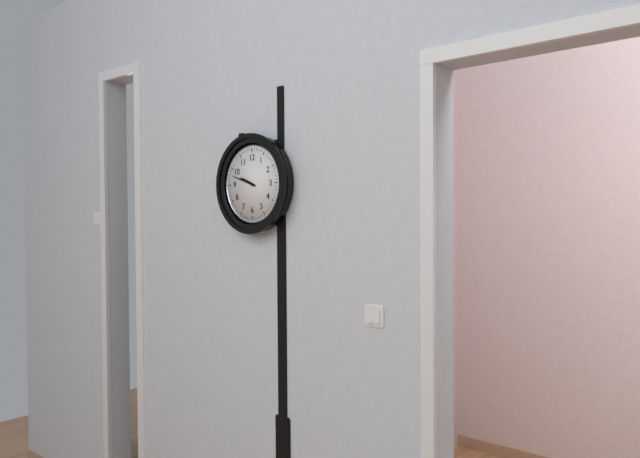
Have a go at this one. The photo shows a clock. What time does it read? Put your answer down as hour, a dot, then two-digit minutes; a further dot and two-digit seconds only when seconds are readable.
9.48
